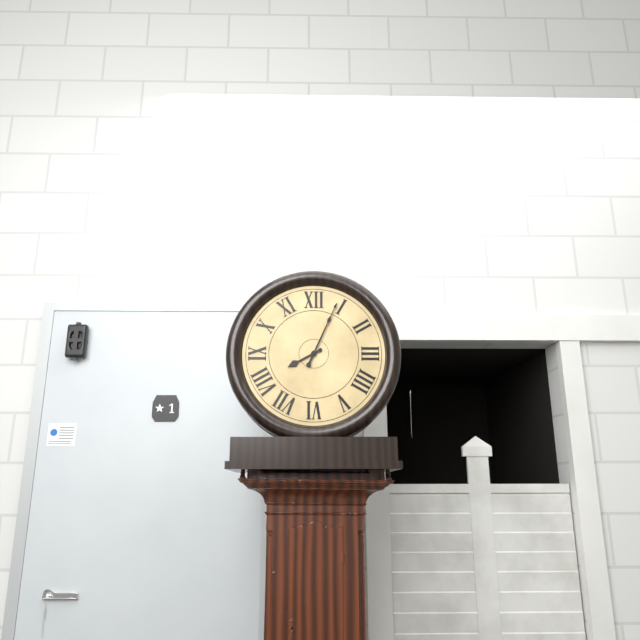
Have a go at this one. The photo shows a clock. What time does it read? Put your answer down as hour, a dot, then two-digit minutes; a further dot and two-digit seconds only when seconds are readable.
8.04
